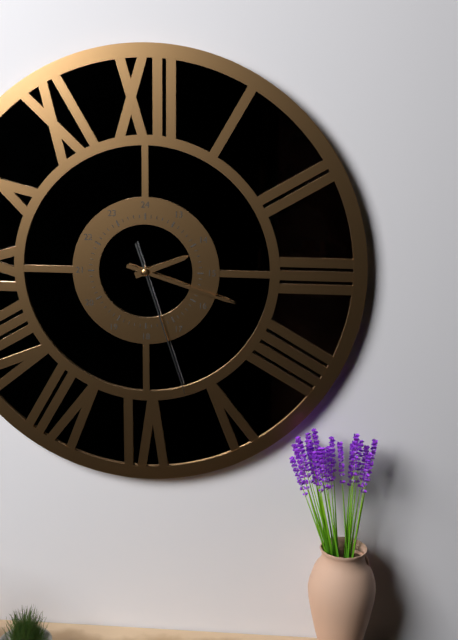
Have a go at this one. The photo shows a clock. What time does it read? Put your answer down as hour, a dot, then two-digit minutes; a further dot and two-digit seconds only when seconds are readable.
2.18.27
